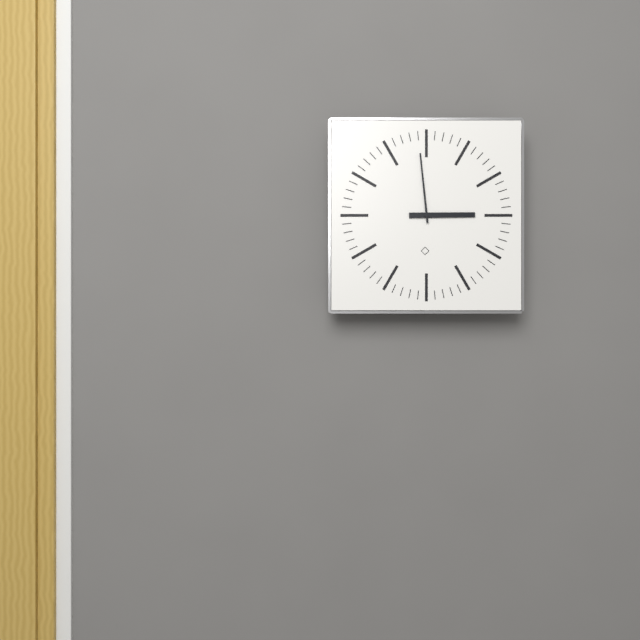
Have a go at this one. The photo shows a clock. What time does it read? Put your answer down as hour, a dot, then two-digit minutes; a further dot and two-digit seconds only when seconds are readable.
2.59
